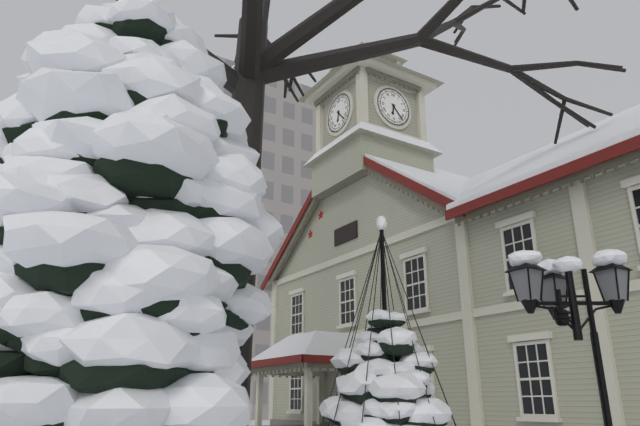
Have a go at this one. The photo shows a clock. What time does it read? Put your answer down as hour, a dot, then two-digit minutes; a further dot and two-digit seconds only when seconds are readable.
6.23
